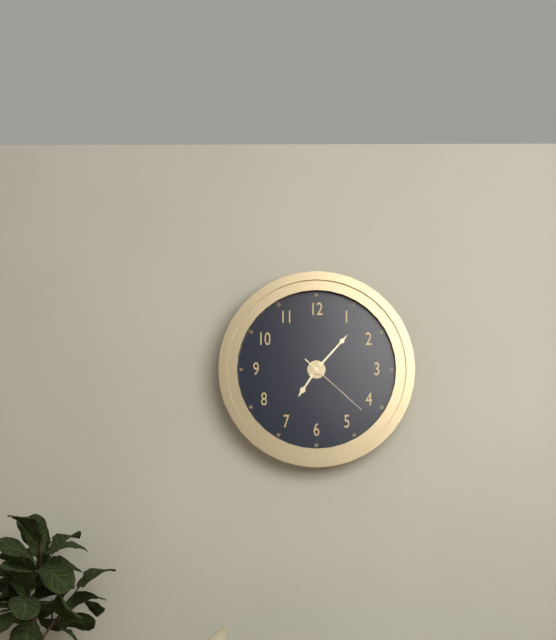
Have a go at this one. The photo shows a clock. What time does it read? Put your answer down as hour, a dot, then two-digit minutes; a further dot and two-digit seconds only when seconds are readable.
7.07.22
